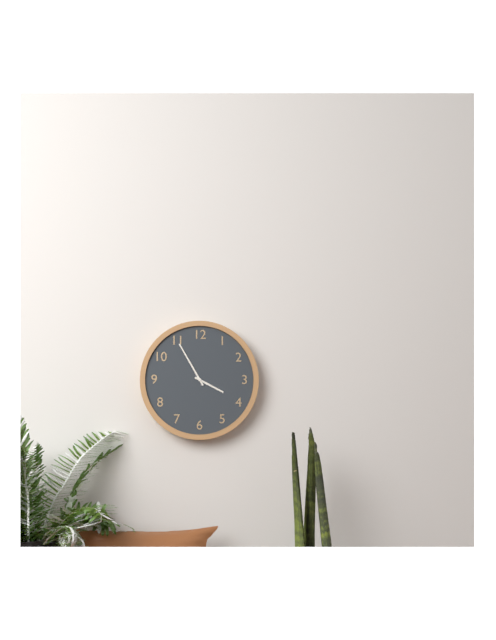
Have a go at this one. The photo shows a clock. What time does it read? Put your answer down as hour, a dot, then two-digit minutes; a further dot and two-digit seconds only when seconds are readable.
3.55
